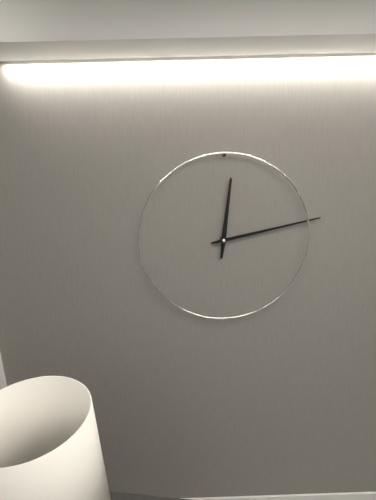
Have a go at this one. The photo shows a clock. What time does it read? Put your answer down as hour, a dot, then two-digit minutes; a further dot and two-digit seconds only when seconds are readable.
12.13
